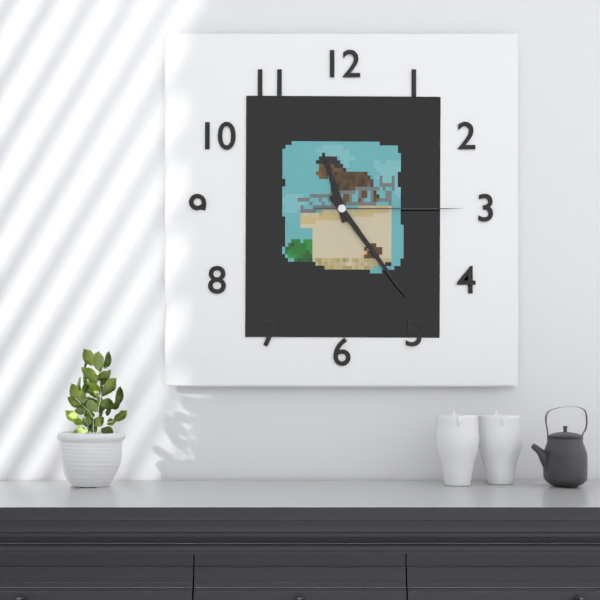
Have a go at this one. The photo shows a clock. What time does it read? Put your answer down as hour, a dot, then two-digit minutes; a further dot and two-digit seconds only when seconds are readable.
11.24.15
